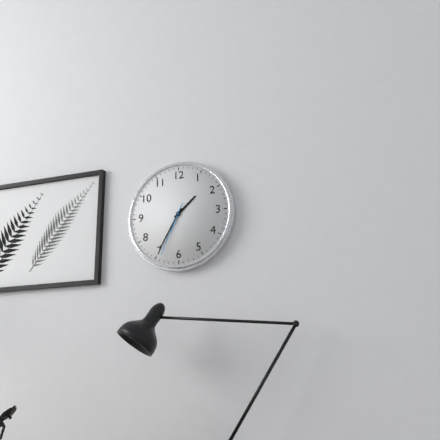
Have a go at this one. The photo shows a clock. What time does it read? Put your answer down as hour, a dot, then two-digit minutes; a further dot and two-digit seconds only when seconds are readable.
1.35.34
